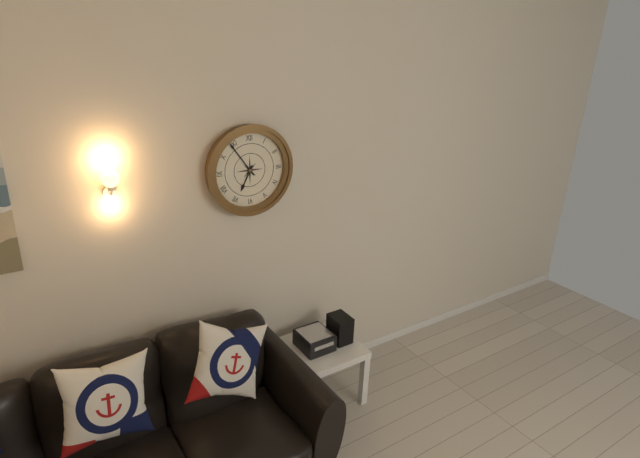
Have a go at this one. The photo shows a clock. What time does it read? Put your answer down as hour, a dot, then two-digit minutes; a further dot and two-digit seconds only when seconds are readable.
6.54
